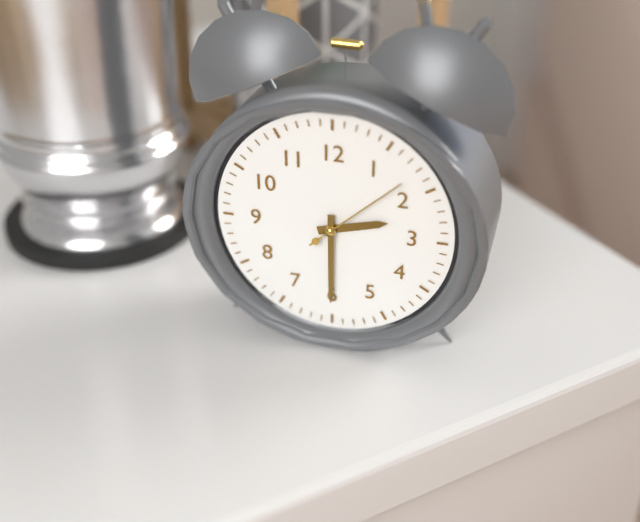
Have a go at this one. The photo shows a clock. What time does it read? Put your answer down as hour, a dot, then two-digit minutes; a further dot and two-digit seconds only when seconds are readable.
2.30.08
